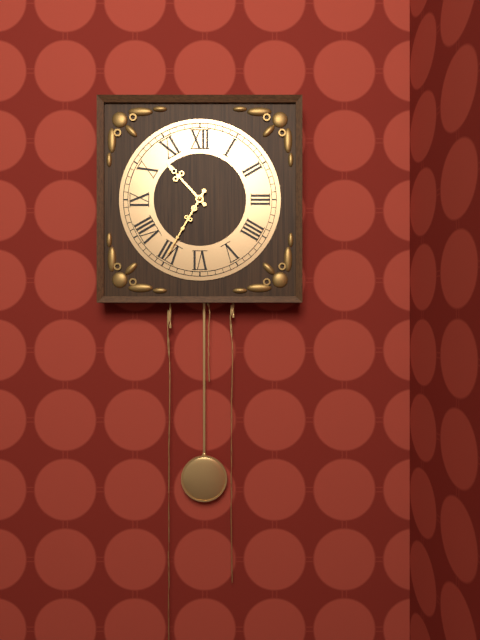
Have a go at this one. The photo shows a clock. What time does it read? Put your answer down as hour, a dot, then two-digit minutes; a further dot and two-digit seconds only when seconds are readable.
10.35
